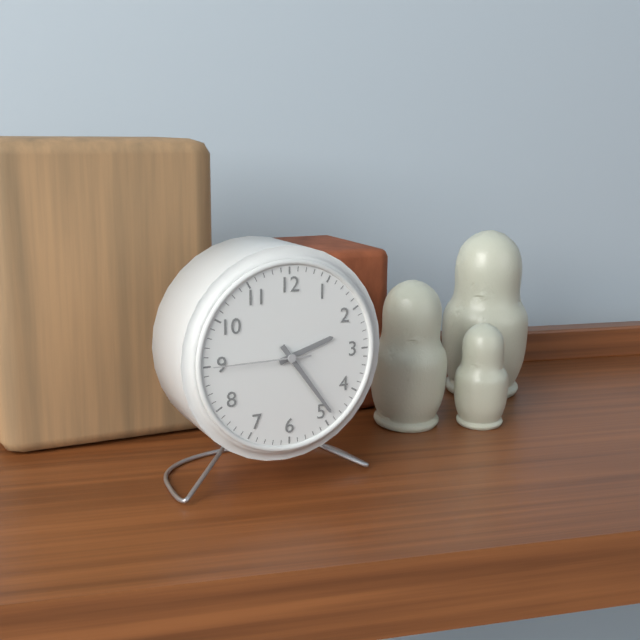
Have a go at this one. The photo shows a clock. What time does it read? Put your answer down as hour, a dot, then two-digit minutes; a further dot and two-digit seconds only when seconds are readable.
2.24.45
